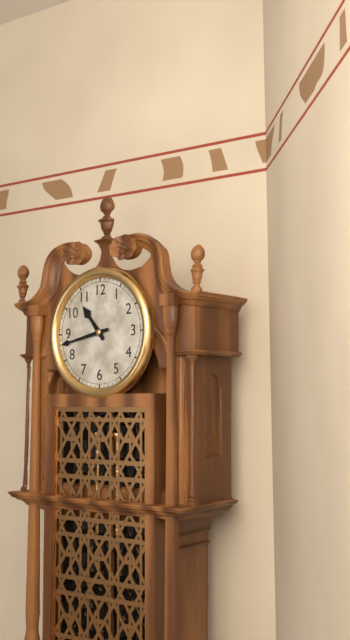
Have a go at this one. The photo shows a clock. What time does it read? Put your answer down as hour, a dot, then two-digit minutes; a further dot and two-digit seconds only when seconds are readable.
10.43
